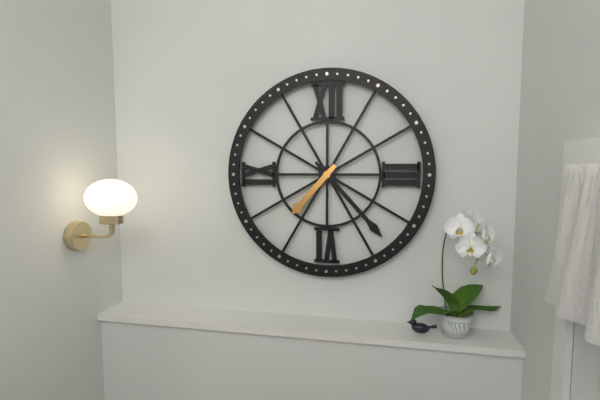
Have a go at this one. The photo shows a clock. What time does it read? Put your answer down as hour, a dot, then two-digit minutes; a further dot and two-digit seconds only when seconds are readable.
7.23
